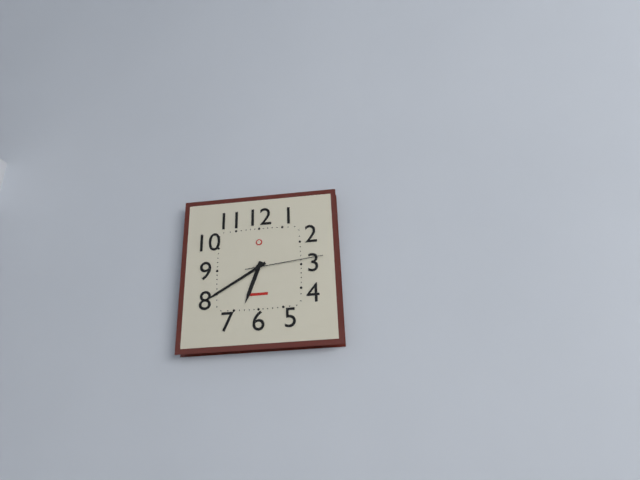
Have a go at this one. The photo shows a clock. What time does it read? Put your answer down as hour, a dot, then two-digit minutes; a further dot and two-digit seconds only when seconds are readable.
6.40.14
